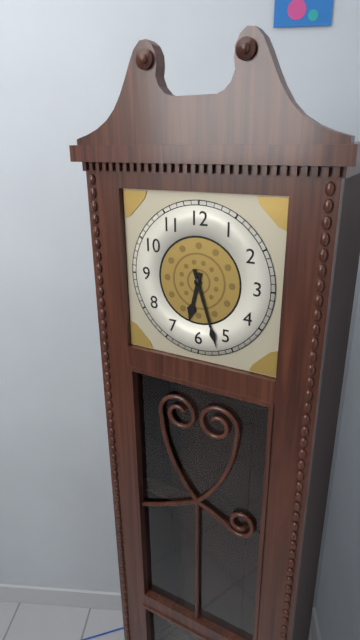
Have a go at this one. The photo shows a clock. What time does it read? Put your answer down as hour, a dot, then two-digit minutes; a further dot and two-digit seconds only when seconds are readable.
6.27
